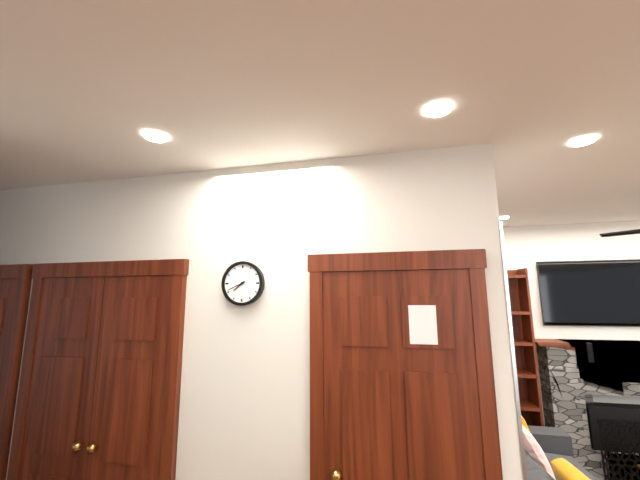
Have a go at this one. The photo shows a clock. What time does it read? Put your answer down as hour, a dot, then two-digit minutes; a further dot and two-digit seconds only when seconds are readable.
7.41
